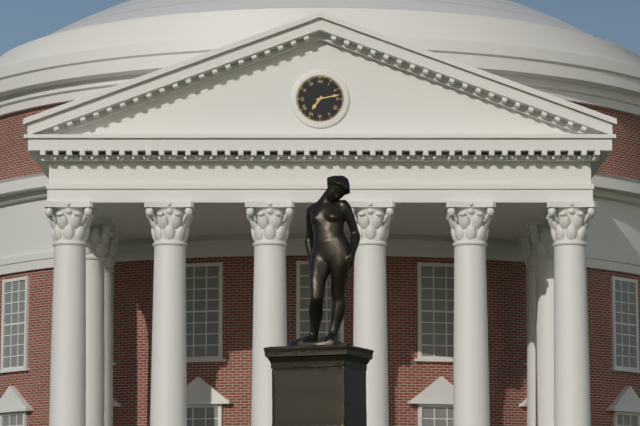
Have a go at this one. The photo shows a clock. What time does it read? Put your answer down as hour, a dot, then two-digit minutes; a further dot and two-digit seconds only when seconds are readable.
7.13
